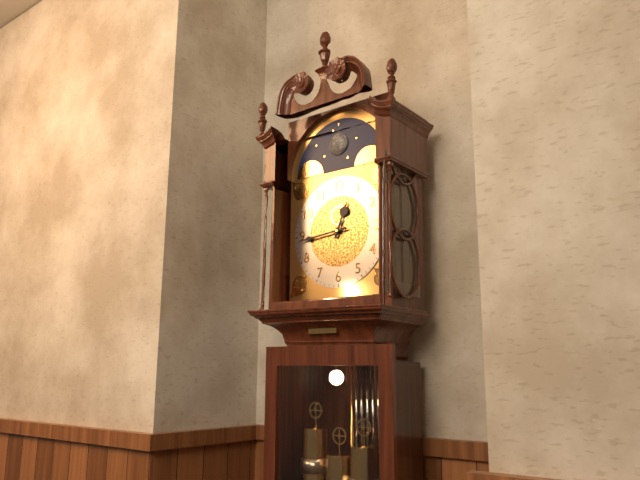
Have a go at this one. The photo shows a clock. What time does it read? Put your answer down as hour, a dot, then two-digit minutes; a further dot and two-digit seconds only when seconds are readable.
12.44
